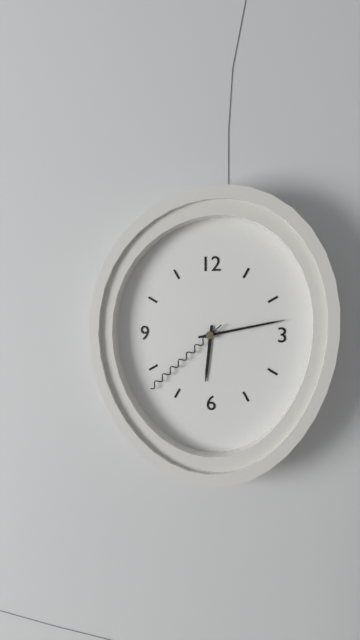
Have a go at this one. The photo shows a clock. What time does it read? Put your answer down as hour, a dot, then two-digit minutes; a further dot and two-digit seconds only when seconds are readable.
6.13.38
